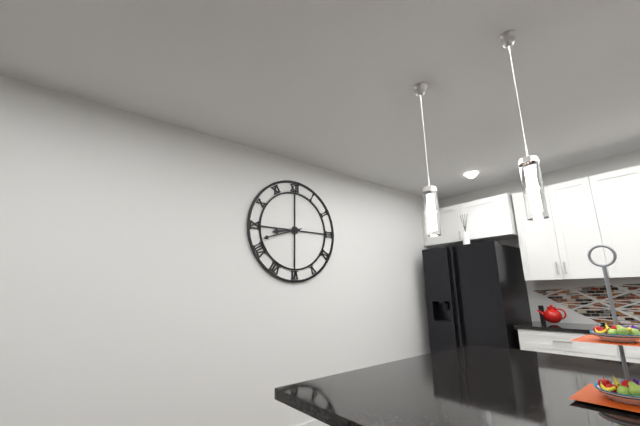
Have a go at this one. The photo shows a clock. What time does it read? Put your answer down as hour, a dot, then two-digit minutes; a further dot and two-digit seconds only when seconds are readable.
8.42
